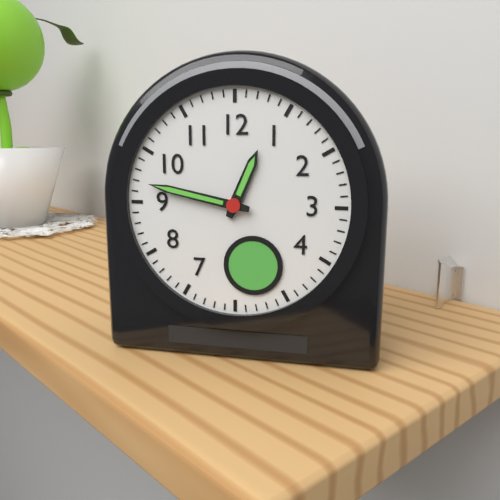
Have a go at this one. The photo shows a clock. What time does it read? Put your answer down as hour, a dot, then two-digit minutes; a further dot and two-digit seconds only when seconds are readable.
12.47
